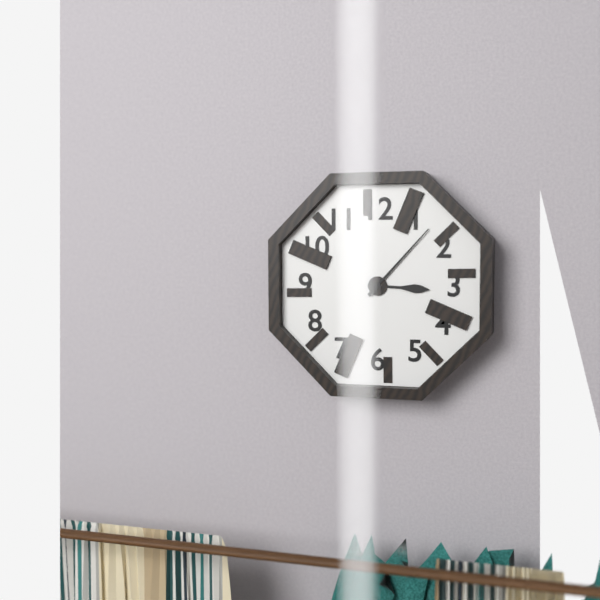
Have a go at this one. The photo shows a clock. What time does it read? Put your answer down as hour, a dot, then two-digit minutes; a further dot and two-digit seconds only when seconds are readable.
3.07
